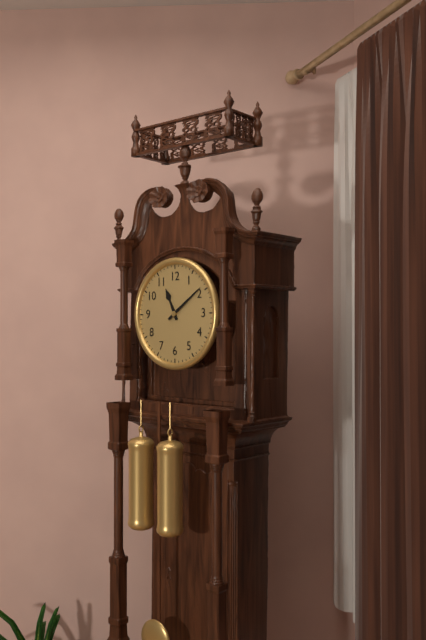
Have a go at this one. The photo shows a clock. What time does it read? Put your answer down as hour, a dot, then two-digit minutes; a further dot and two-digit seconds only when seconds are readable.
11.09
